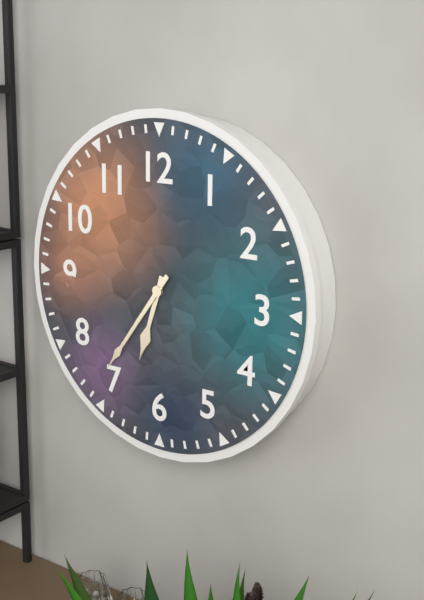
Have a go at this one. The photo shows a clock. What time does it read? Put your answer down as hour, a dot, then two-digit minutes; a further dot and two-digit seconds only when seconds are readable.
6.36
